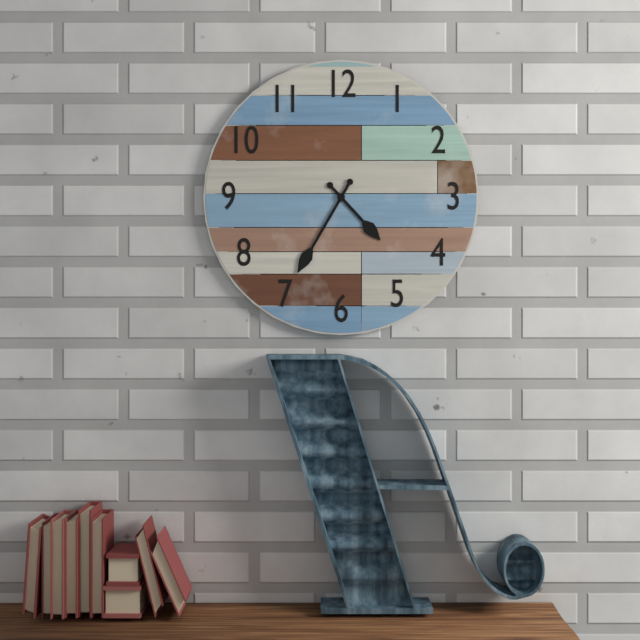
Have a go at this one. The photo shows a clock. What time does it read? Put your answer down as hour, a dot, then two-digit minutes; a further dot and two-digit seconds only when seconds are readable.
4.35
